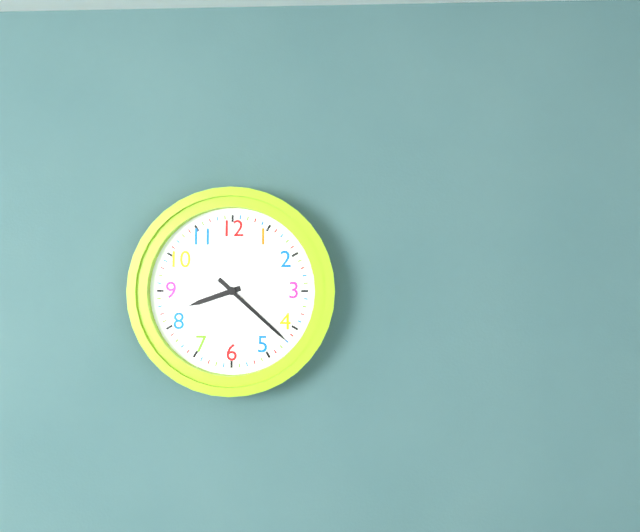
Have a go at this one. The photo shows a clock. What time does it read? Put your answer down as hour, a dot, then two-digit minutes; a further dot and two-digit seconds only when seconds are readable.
8.22
